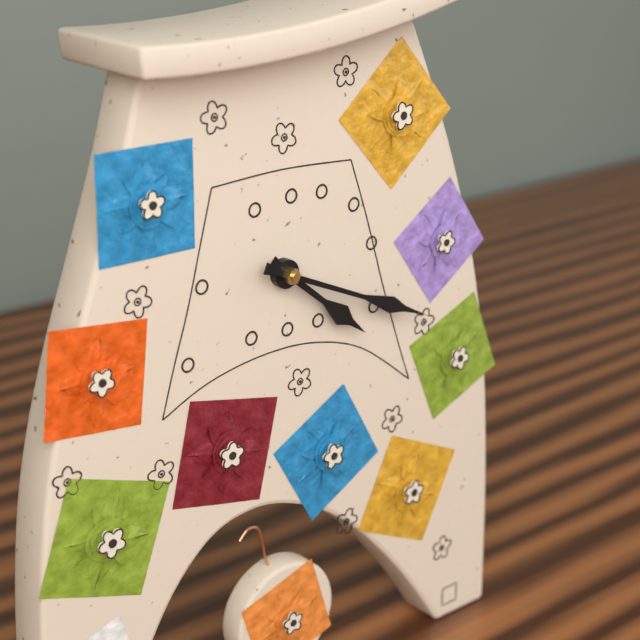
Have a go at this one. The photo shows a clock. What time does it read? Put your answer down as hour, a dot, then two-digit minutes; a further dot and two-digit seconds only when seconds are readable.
4.19
